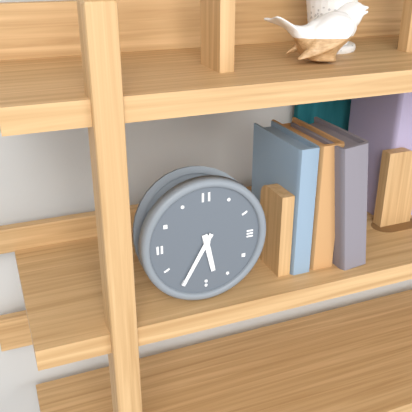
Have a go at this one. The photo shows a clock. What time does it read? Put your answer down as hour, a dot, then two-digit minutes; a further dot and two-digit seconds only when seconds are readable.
5.35
